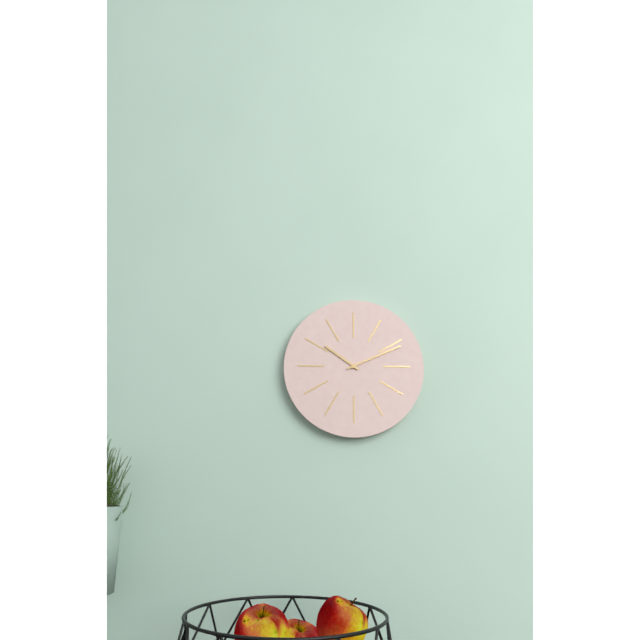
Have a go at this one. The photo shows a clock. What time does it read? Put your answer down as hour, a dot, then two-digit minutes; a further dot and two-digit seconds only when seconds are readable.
10.11
